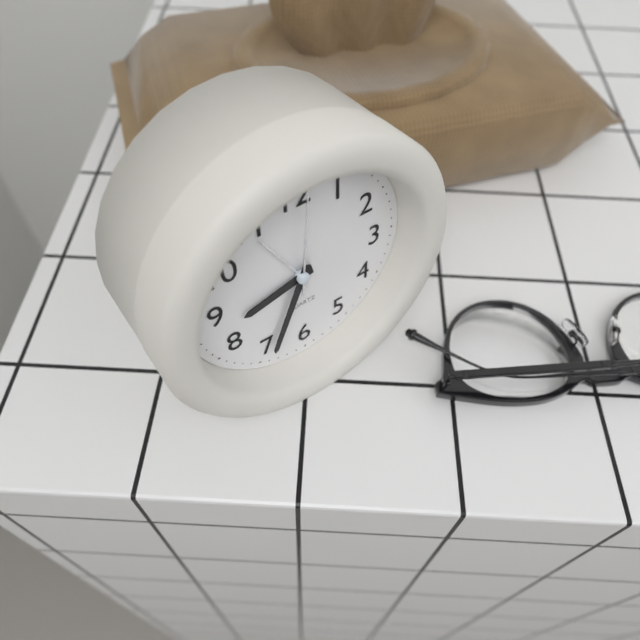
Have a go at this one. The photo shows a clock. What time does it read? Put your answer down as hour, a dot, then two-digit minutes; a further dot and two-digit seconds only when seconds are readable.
8.34.01
